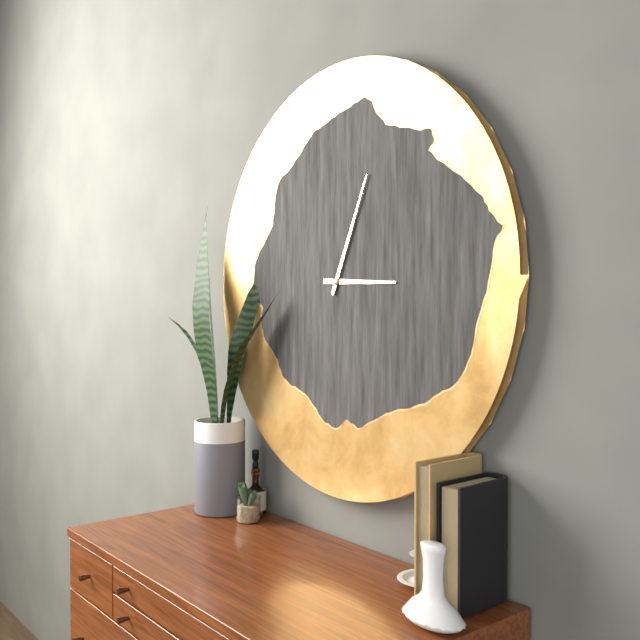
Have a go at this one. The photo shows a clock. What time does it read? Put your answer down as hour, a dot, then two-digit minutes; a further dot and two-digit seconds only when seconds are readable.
3.04
